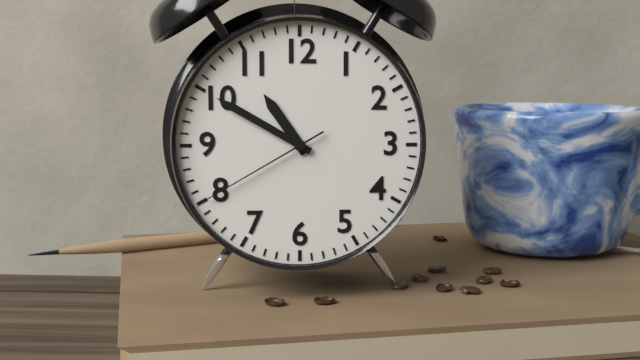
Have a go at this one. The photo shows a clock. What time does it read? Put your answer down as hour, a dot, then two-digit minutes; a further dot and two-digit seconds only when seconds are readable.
10.50.40
